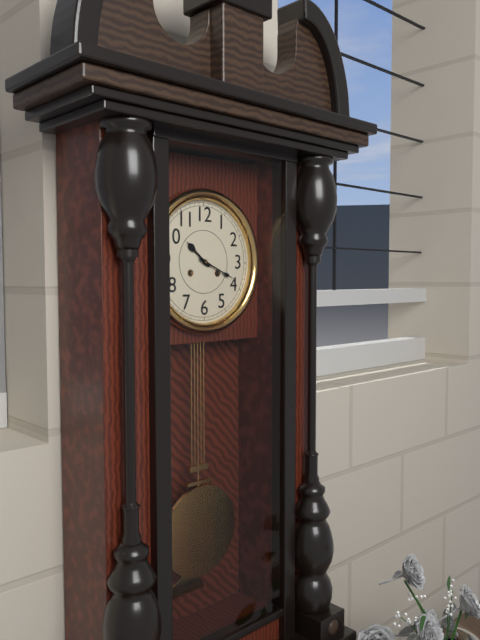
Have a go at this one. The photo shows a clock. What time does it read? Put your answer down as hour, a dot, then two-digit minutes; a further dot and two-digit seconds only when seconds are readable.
10.19
